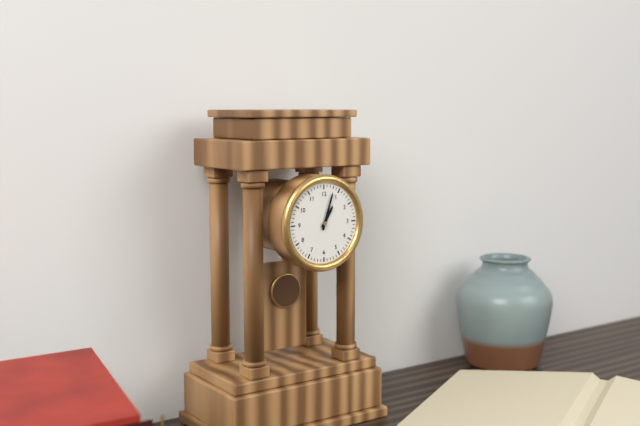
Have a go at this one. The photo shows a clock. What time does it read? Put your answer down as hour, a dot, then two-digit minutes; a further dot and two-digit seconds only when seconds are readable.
1.03
